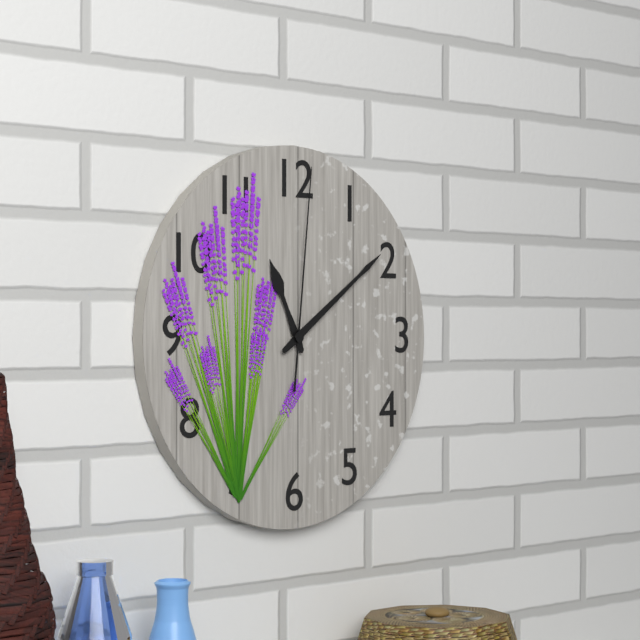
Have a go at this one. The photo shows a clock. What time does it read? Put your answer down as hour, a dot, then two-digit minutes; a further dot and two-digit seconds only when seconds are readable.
11.09.01
